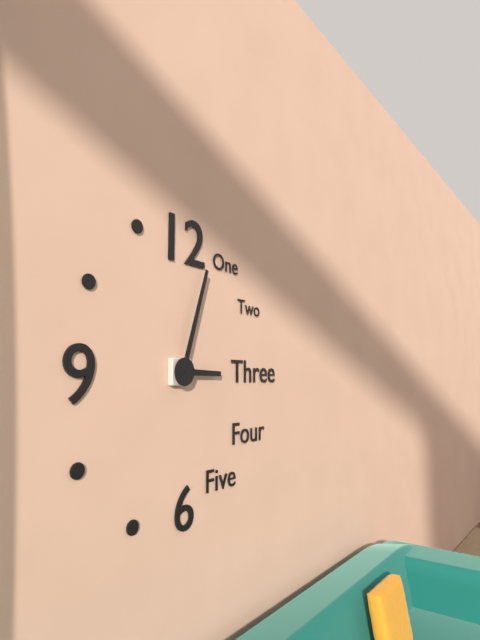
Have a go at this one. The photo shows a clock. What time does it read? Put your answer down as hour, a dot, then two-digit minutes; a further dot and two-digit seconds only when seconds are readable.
3.03
